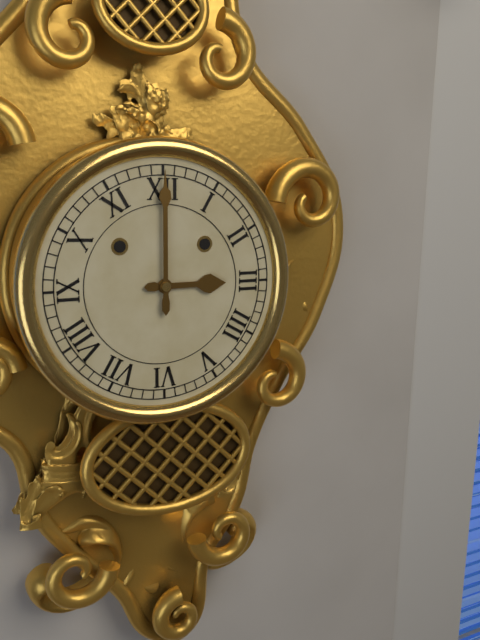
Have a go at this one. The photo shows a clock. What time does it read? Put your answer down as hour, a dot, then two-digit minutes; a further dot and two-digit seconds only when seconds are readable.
3.00
